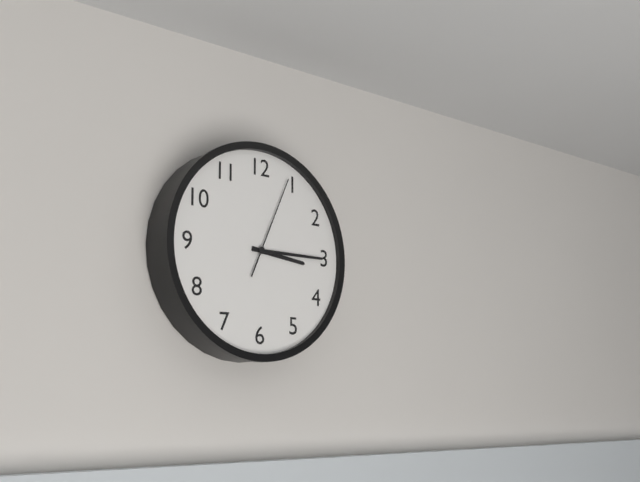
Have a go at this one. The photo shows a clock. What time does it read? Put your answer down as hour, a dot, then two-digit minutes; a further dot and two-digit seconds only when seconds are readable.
3.15.04
